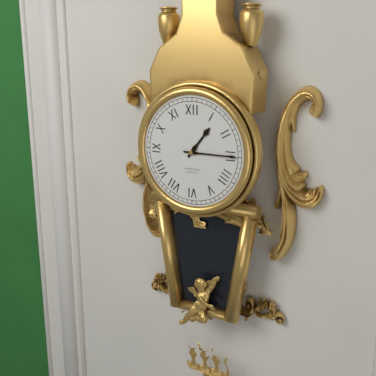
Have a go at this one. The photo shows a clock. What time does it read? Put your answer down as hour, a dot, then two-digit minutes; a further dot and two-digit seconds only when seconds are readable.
1.15
